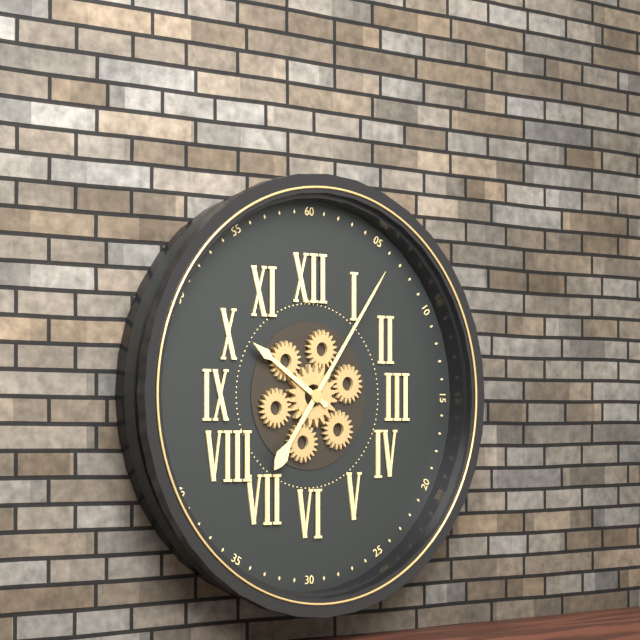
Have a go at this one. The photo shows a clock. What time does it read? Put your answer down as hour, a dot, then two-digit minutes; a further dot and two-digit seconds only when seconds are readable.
10.06
